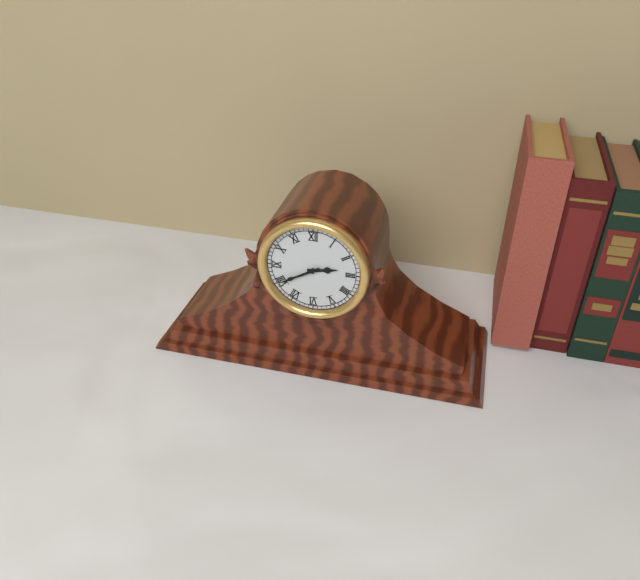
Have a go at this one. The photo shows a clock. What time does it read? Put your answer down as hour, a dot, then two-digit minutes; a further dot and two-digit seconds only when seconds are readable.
2.40
